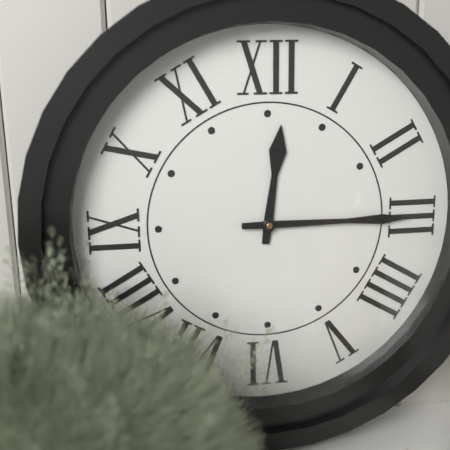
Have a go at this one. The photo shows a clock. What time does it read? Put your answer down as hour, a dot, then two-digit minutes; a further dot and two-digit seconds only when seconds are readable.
12.15
